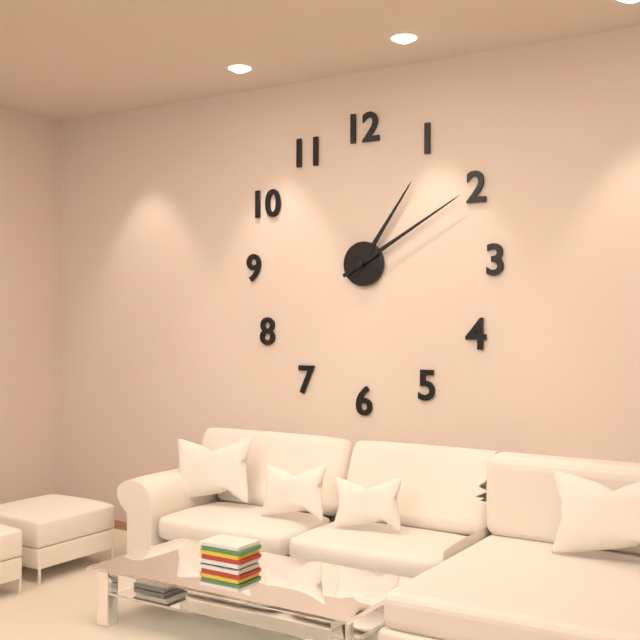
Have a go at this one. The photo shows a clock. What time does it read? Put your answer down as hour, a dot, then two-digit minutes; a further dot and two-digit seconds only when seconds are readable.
1.10
